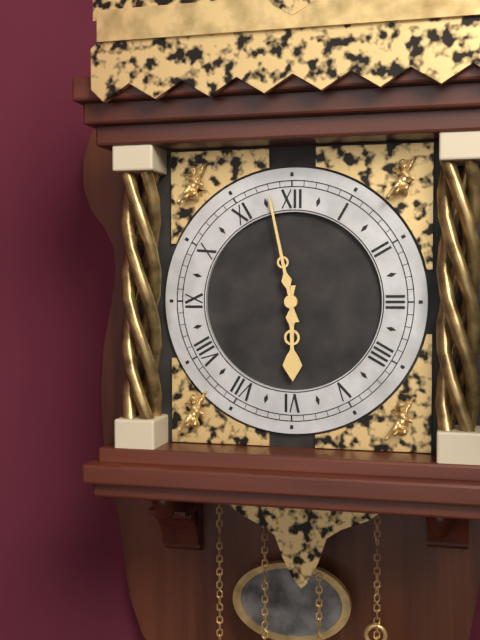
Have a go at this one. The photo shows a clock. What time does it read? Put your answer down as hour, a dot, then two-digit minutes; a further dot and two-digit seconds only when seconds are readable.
5.58
